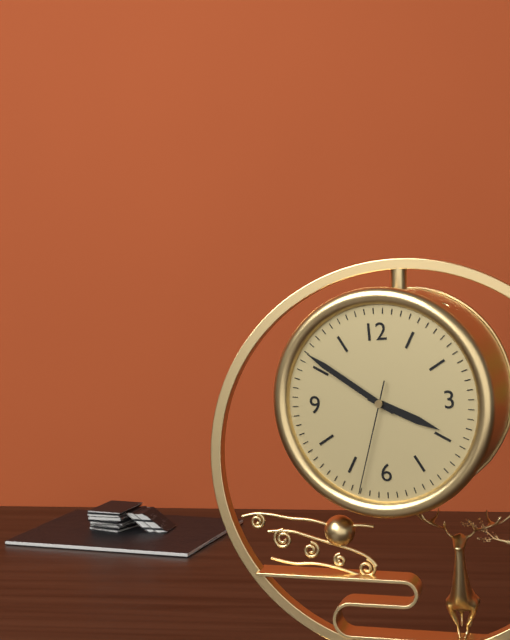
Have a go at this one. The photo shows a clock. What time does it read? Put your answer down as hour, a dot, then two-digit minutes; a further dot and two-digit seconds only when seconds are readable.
3.51.33
